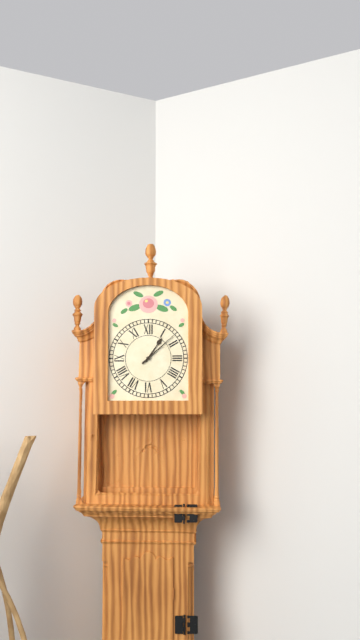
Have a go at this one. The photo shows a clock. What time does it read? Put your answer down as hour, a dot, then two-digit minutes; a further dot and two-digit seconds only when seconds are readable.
1.08
